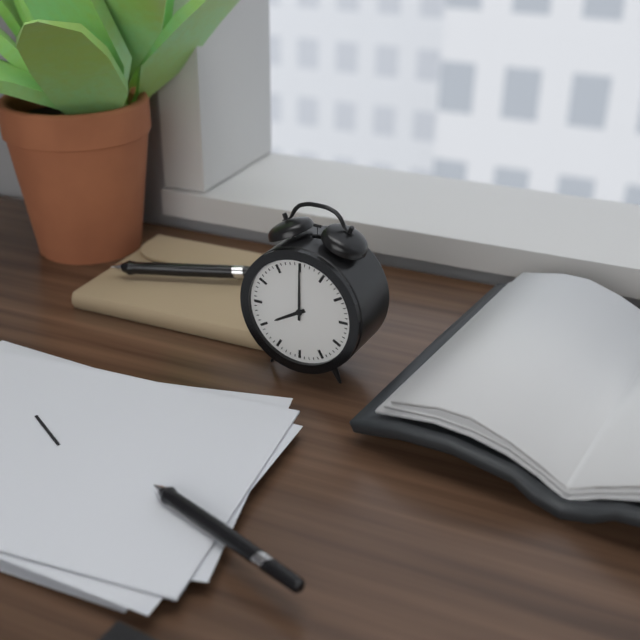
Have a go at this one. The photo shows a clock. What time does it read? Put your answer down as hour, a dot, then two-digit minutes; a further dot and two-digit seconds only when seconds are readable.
8.00
